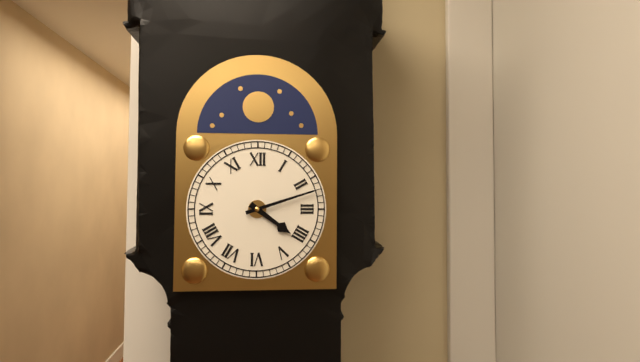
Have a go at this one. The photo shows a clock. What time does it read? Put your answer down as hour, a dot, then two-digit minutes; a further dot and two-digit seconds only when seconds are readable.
4.12
